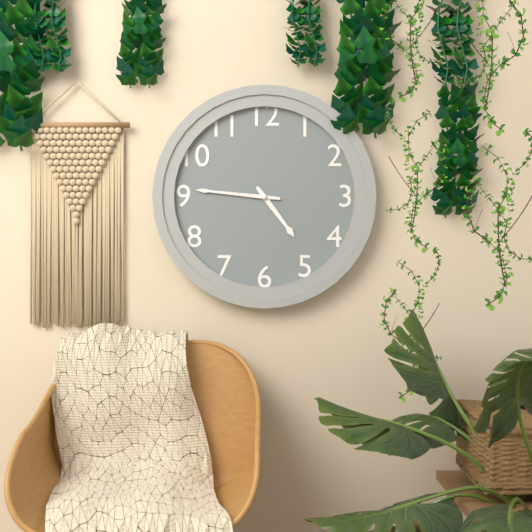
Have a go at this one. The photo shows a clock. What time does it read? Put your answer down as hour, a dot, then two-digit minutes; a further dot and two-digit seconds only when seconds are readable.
4.46
